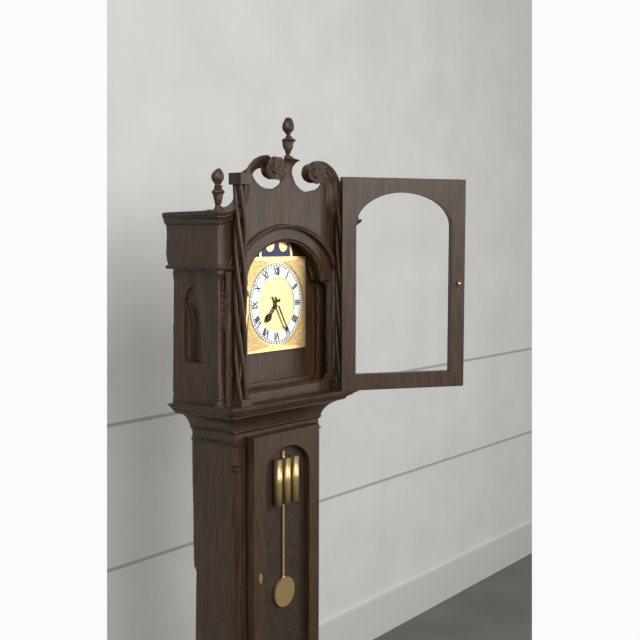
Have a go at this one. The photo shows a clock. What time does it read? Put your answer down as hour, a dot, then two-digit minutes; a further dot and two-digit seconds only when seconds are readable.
7.25
